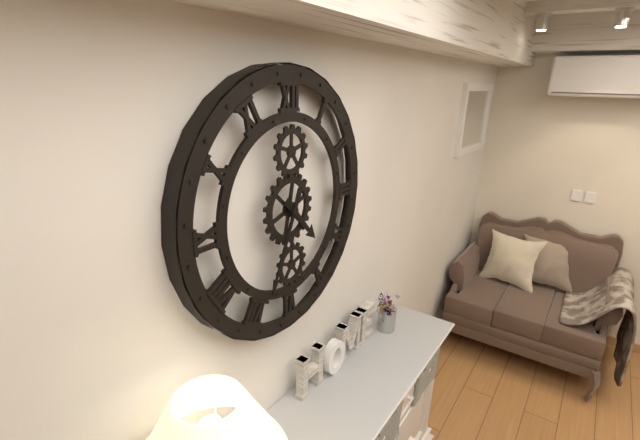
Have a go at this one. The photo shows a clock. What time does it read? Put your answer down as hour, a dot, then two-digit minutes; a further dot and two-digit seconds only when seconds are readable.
4.34
